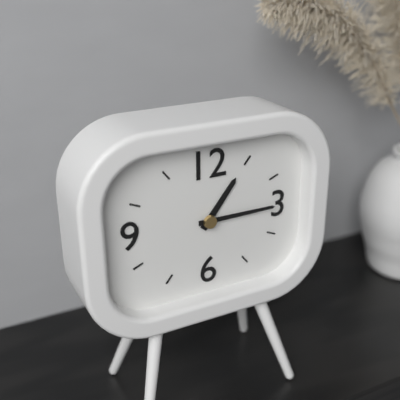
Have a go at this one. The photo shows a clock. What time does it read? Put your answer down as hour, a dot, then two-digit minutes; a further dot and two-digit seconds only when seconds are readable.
1.15
